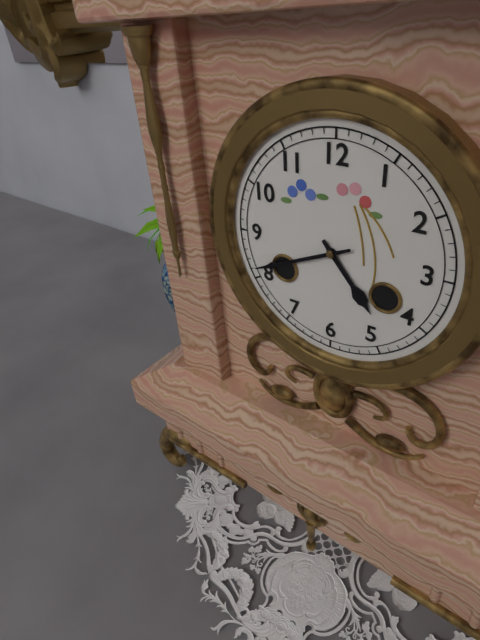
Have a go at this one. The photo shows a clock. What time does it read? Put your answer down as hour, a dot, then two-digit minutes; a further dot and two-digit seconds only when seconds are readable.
4.41
